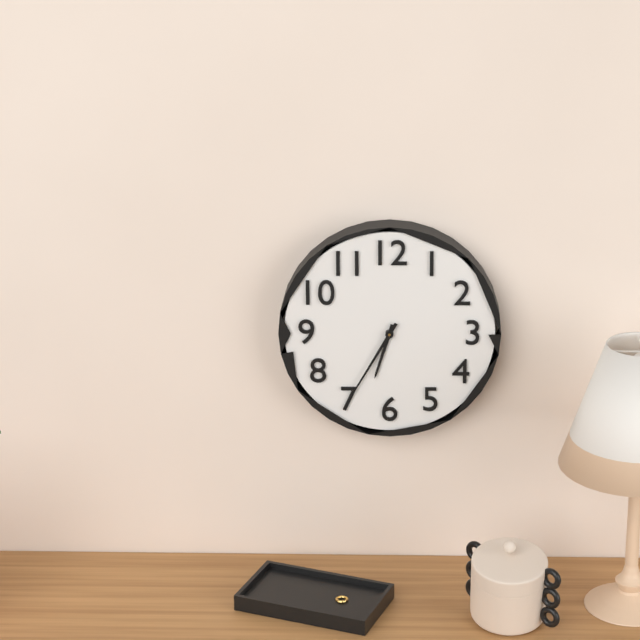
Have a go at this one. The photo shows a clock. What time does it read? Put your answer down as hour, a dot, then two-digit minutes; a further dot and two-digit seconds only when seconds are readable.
6.35
